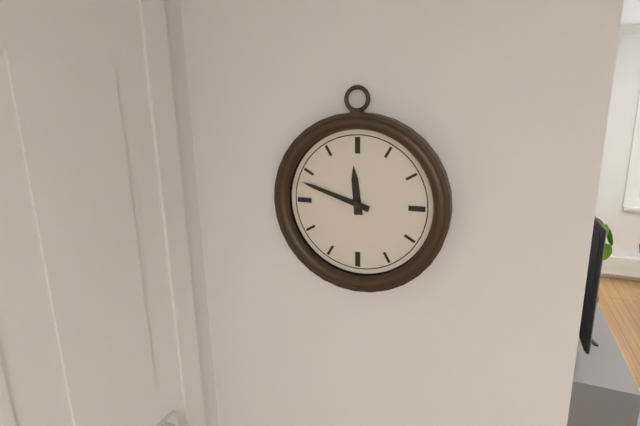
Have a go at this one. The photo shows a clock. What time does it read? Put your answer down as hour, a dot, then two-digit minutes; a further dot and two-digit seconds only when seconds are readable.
11.48
